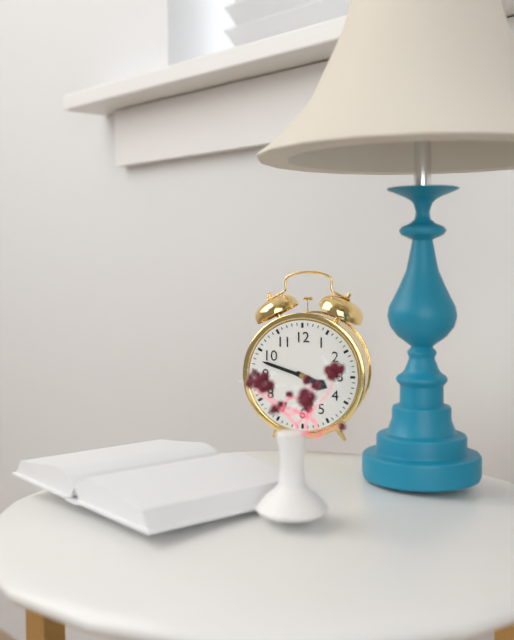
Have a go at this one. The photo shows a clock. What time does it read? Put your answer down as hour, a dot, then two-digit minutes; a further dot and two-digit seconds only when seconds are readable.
3.48
